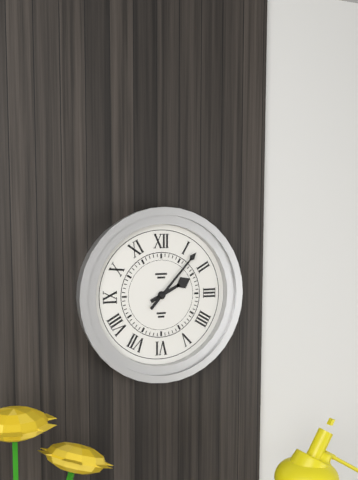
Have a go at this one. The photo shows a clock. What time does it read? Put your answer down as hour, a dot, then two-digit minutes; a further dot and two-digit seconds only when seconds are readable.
2.07
